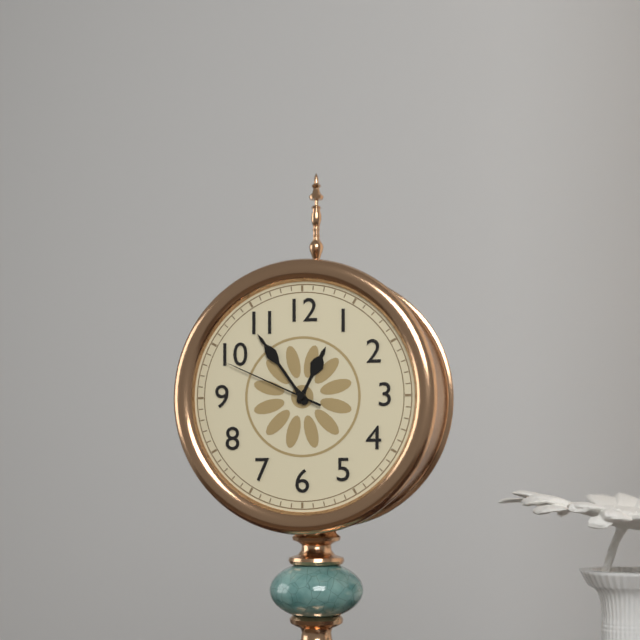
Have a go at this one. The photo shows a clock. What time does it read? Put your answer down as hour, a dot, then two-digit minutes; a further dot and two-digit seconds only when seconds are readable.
12.54.49
